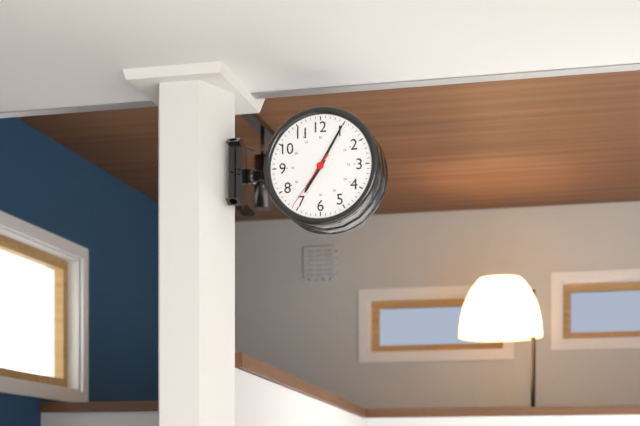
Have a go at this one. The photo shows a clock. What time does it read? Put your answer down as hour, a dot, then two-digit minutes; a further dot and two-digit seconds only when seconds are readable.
7.05.36
